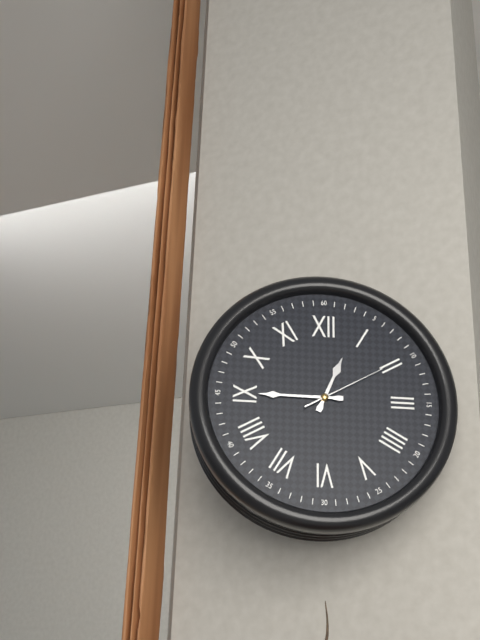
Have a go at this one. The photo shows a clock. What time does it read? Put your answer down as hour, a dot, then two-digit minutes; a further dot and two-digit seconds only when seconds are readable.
12.45.10
